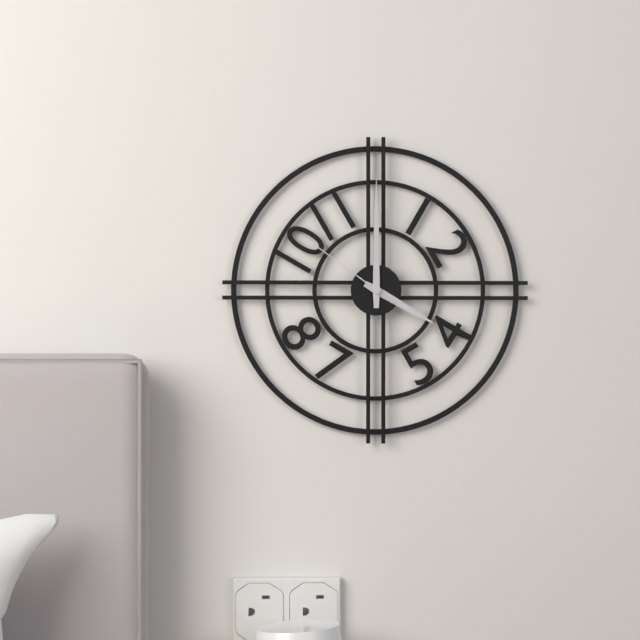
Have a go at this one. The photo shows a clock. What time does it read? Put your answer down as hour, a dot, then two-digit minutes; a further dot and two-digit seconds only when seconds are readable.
4.00.51
